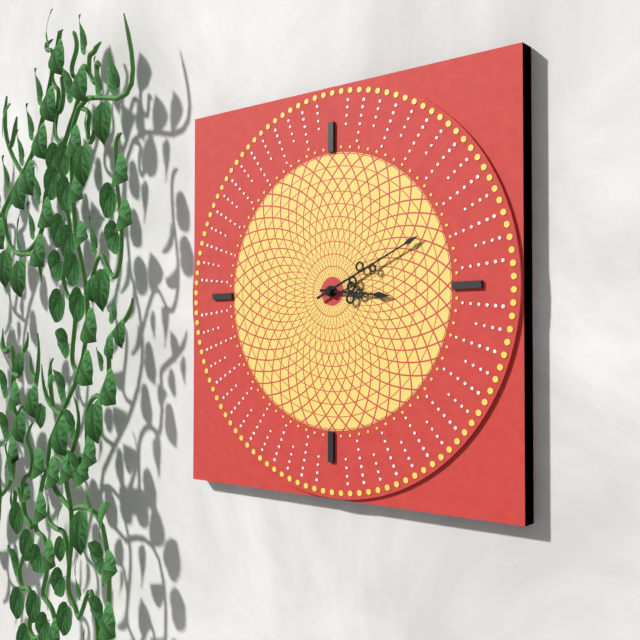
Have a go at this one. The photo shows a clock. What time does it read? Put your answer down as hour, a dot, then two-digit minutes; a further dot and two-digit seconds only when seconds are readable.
3.11
